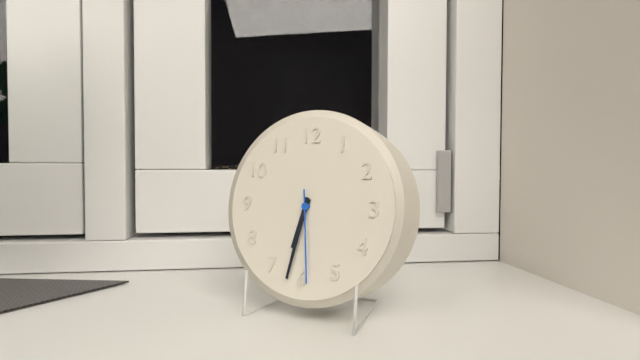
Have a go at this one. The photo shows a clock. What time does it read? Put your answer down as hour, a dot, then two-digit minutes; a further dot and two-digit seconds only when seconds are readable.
6.32.29
